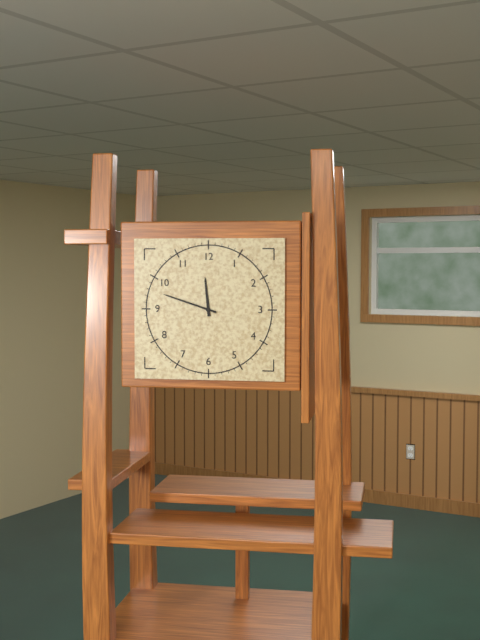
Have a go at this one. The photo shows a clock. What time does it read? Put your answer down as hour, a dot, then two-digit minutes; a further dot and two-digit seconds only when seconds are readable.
11.48
